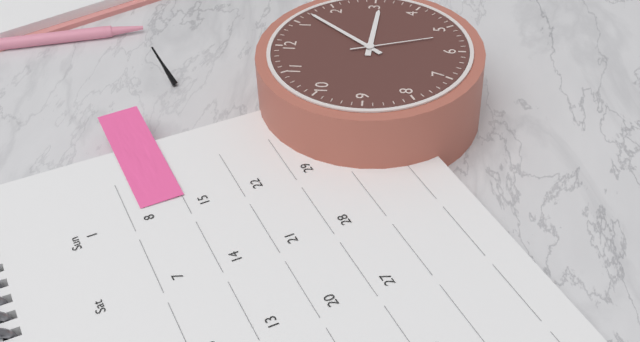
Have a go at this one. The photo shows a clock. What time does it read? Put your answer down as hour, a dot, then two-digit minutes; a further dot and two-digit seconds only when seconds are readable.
3.07.27
